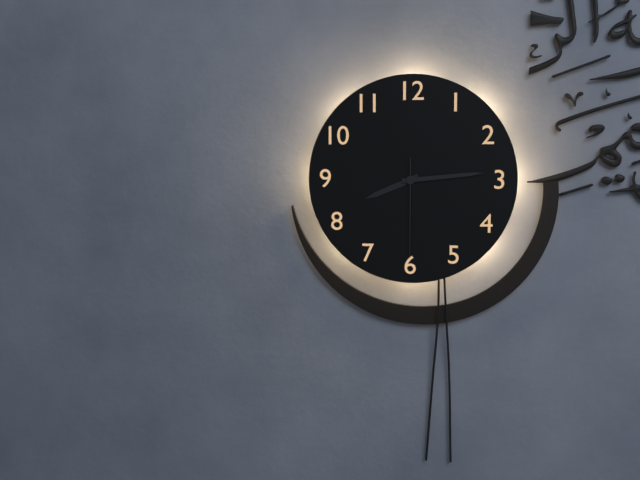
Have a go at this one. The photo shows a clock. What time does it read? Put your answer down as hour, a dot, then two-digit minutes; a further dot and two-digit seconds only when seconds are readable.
8.14.30
